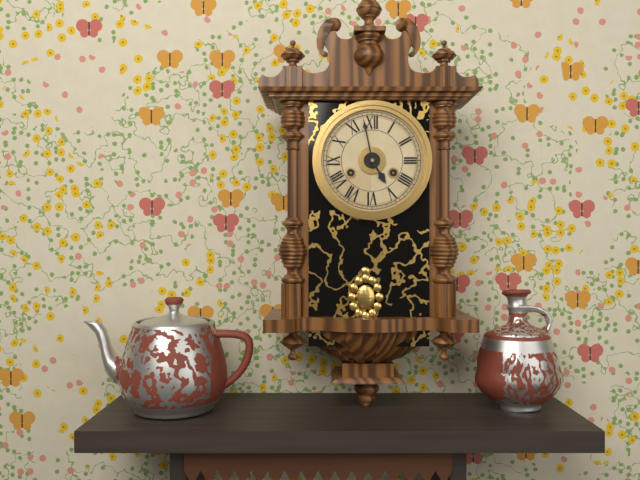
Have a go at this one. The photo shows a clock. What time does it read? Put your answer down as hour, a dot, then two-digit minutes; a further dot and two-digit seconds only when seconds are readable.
4.58
